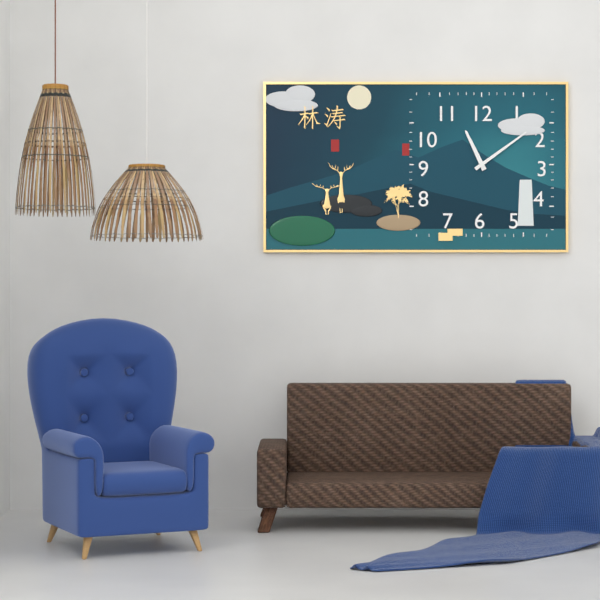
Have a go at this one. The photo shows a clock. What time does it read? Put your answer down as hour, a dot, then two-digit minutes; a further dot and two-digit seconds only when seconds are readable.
11.09
